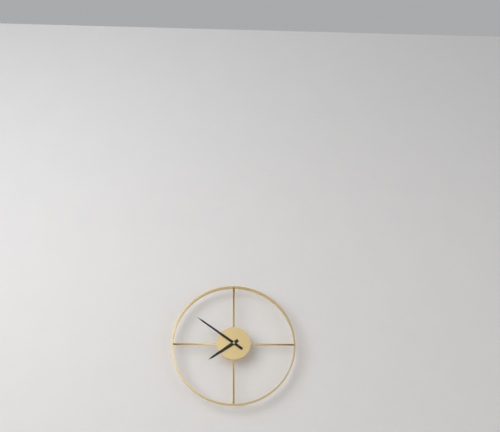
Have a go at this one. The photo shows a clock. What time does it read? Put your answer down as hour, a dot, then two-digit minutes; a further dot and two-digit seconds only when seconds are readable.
7.51
